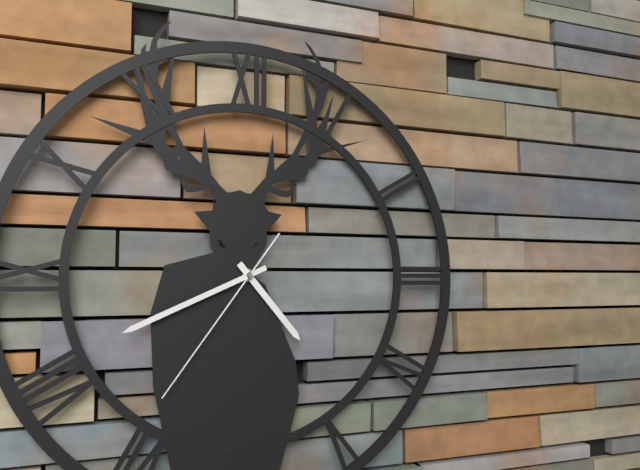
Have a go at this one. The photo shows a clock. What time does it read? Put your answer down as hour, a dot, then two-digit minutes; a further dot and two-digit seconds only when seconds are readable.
4.41.36
